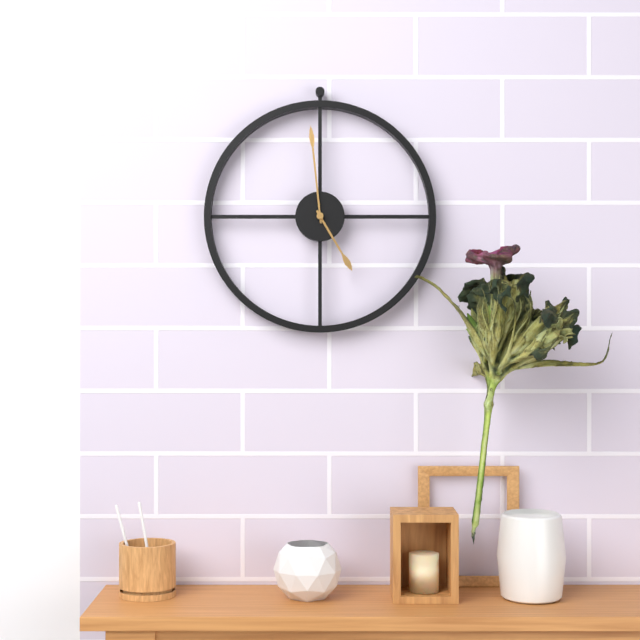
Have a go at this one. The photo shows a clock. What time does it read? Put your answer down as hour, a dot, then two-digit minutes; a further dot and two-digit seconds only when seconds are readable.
4.59
